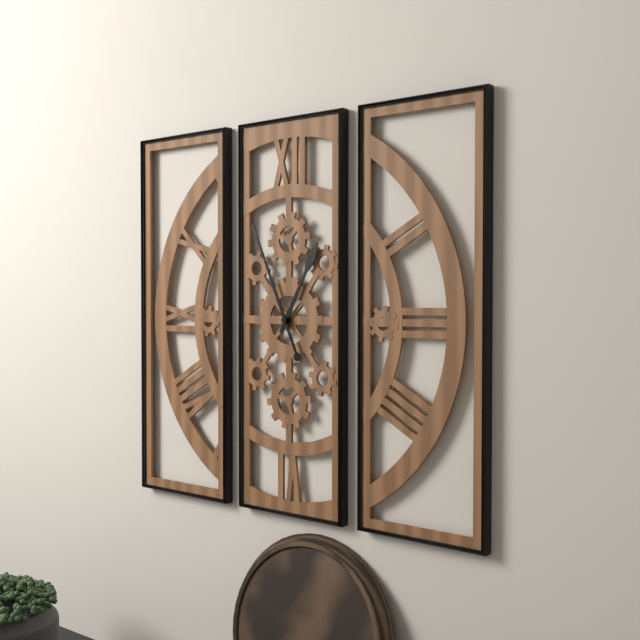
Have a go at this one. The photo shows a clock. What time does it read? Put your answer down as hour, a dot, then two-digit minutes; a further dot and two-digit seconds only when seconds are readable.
12.56
